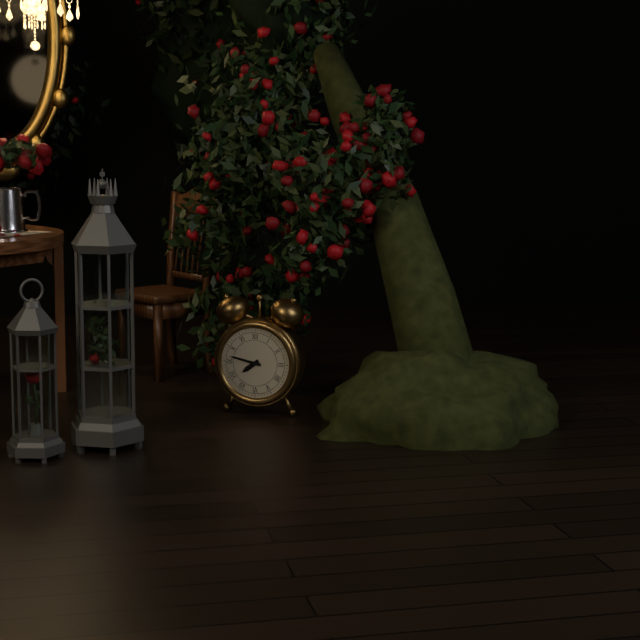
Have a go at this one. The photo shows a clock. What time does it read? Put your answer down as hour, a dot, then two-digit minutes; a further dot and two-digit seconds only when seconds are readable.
7.47
